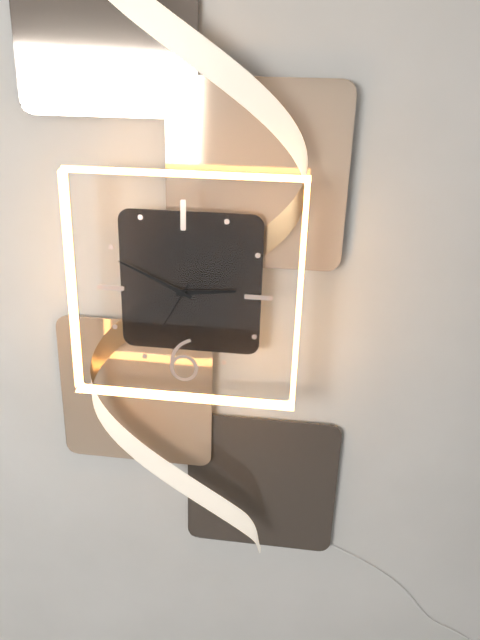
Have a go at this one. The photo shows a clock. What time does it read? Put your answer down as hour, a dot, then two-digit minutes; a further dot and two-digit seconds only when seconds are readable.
2.49.35
